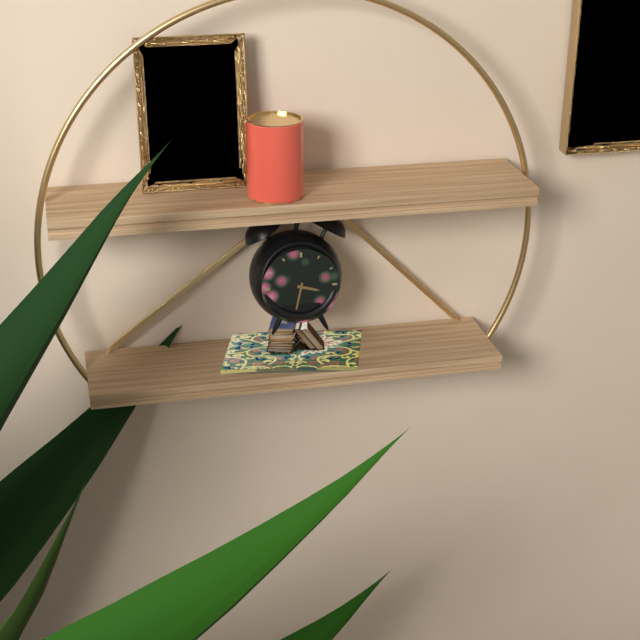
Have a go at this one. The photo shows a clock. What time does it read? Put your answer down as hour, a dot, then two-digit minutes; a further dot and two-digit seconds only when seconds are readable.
3.32
